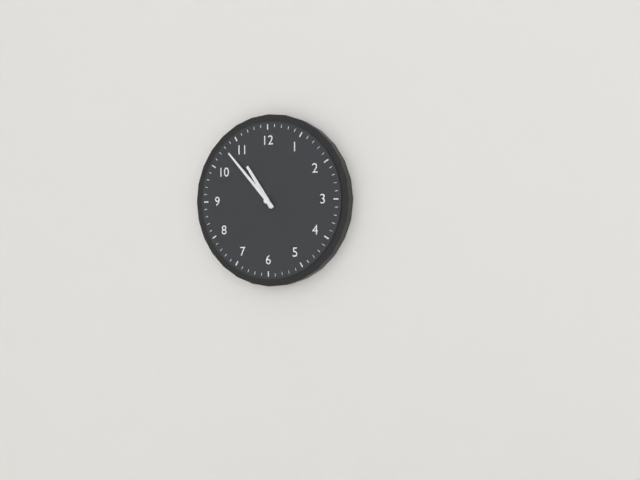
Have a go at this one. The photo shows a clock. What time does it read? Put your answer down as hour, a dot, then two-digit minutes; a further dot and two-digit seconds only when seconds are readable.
10.53
